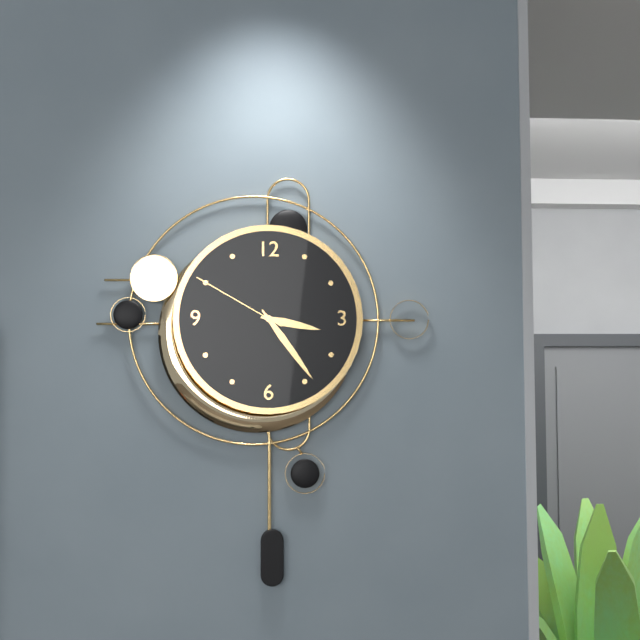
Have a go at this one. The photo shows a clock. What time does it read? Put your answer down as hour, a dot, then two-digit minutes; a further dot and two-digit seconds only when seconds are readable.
3.24.50
